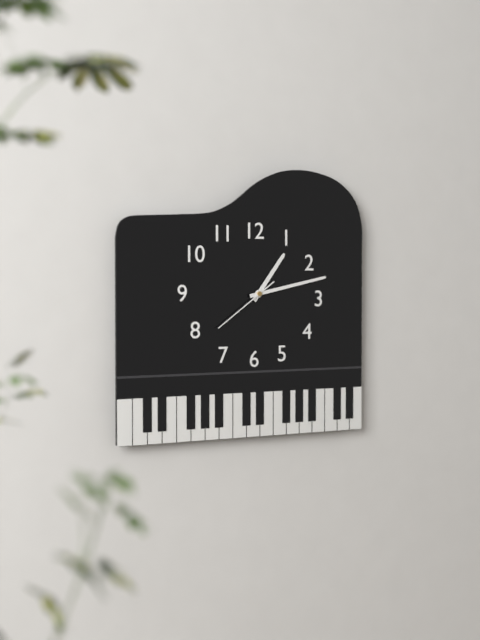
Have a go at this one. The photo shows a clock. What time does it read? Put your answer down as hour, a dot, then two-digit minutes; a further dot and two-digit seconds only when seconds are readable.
1.13.39
